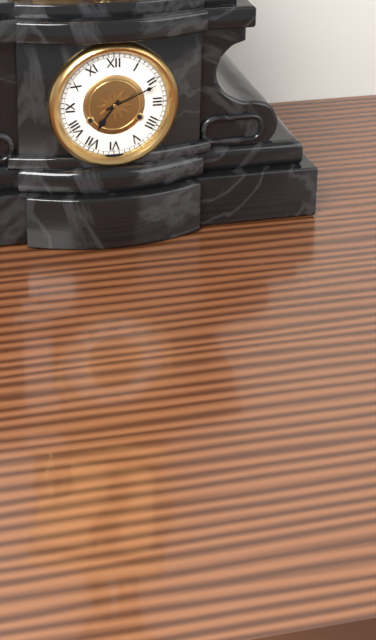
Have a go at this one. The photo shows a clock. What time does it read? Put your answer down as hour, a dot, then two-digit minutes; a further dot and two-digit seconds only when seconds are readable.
7.11
